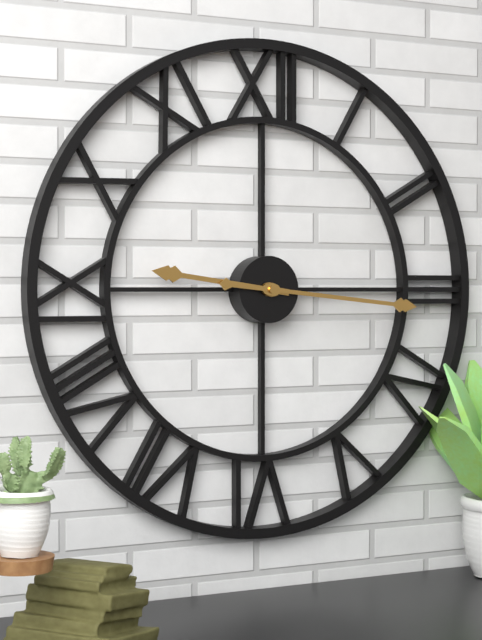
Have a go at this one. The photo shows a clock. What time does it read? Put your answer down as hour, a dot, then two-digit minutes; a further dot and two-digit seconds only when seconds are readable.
9.16
